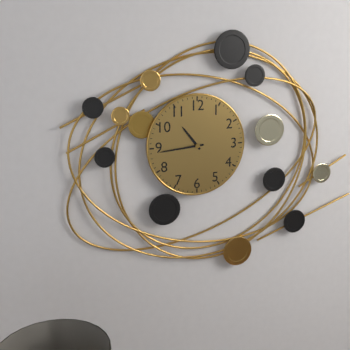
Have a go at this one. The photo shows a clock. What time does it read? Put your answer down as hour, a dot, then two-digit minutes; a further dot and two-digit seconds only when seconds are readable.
10.44
